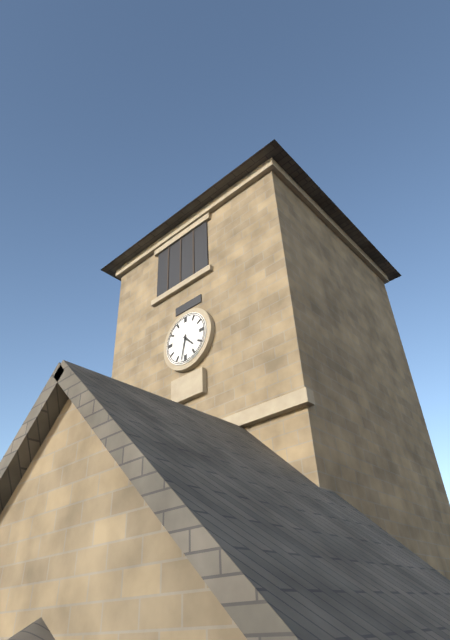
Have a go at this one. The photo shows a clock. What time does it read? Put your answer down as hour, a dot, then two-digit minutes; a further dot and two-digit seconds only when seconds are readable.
4.32
